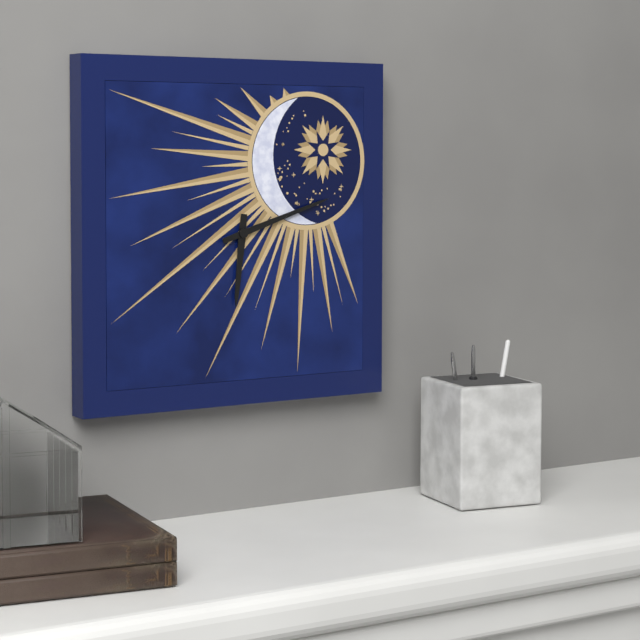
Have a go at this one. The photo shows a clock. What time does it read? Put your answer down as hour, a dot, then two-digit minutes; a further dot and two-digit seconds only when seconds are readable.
6.12
